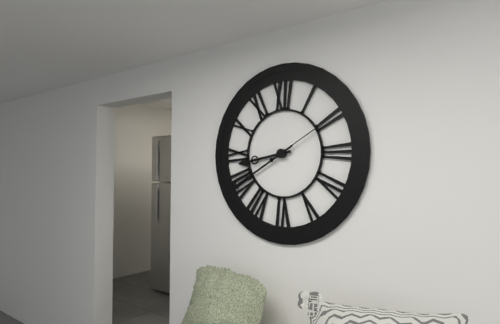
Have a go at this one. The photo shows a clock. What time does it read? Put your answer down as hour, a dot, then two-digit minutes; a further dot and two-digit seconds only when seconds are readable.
8.40.10
